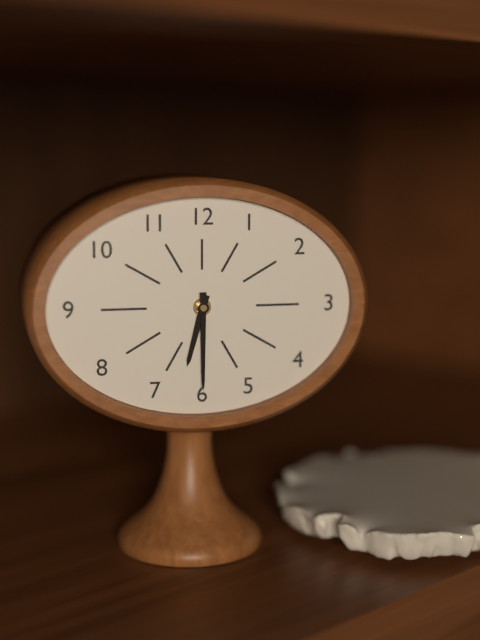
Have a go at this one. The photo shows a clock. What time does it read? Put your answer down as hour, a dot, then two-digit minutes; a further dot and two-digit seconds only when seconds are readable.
6.30
